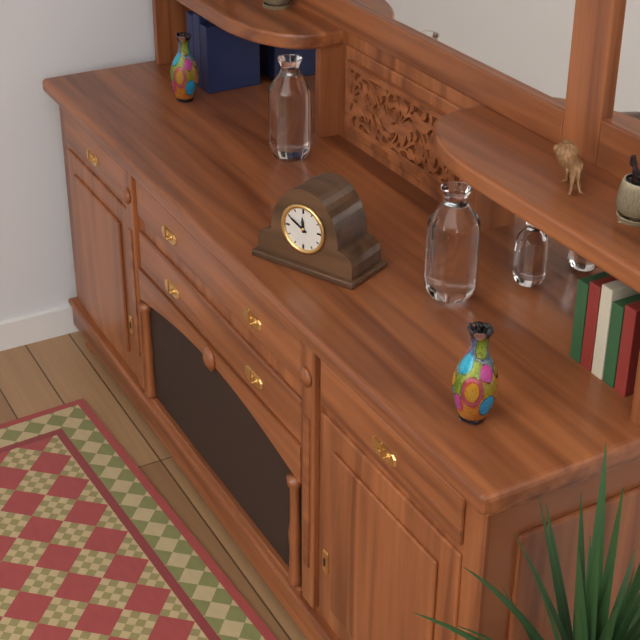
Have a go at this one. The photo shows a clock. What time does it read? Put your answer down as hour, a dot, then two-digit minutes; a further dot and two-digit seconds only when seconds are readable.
11.50
